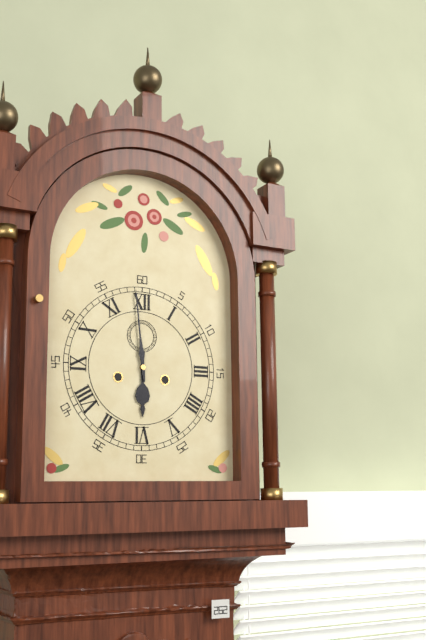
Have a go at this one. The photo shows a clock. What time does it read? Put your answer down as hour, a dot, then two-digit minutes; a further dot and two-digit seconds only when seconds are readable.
5.59
